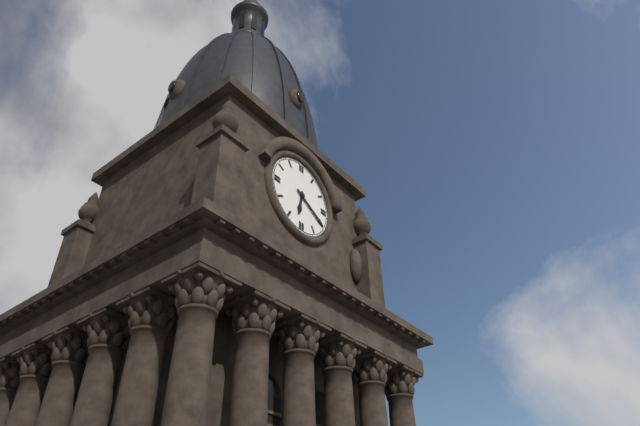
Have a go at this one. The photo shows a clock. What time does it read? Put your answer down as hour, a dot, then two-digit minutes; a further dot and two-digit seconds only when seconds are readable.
6.20
